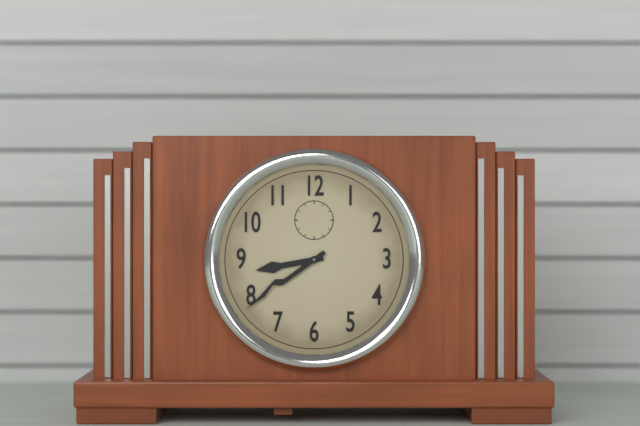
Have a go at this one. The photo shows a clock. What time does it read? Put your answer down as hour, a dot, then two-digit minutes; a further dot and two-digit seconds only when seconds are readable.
8.39
